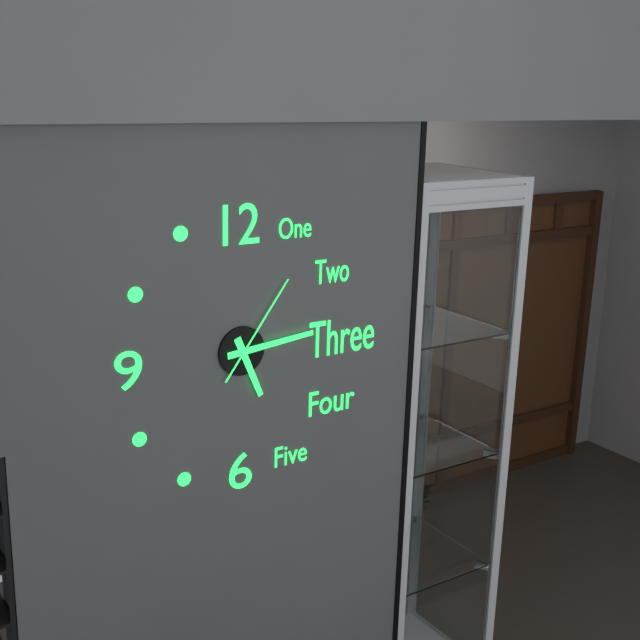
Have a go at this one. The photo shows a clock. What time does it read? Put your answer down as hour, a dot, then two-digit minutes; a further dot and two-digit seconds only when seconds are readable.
5.14.06
